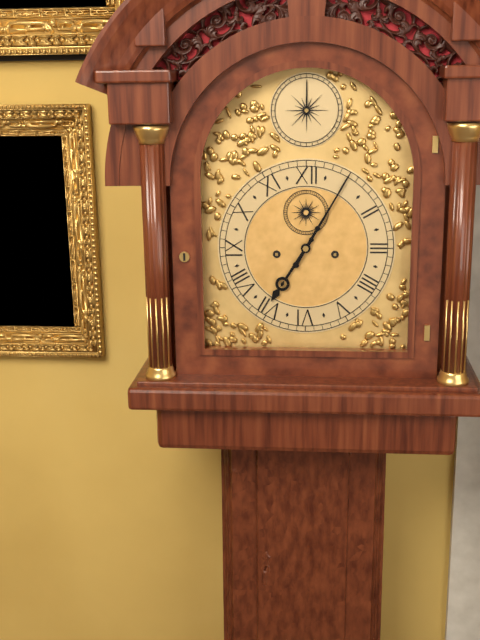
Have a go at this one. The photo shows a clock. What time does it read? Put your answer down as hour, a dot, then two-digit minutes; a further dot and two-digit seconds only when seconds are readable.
7.05
